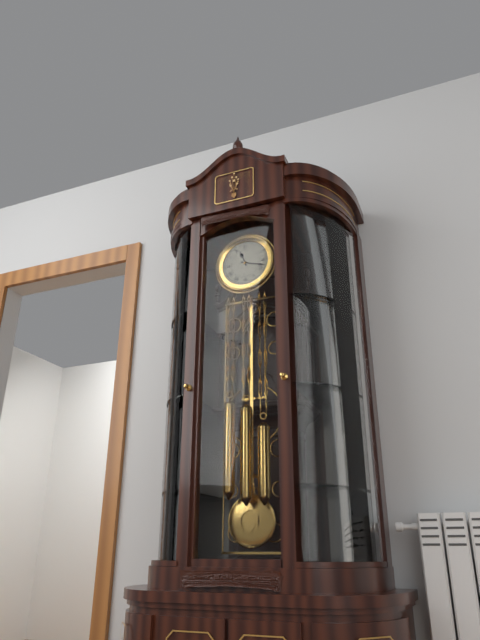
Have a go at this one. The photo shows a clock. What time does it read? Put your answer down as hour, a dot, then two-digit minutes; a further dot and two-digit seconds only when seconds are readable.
11.18
